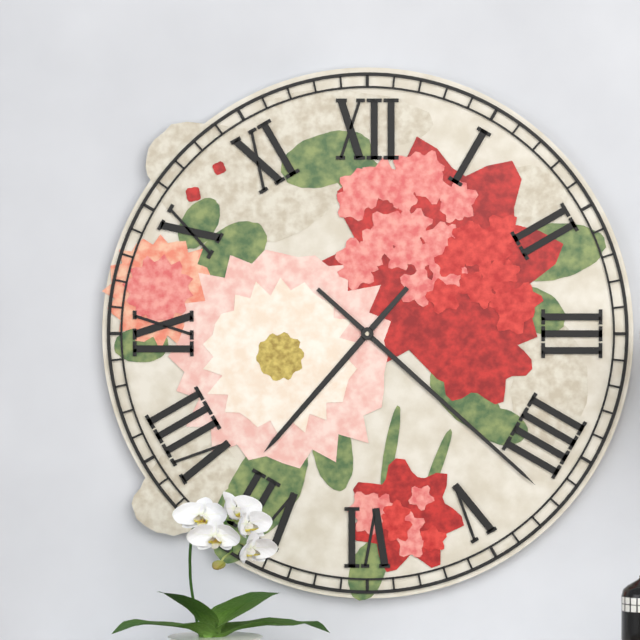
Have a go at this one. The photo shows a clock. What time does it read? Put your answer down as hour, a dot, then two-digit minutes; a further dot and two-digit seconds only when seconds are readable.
7.22
